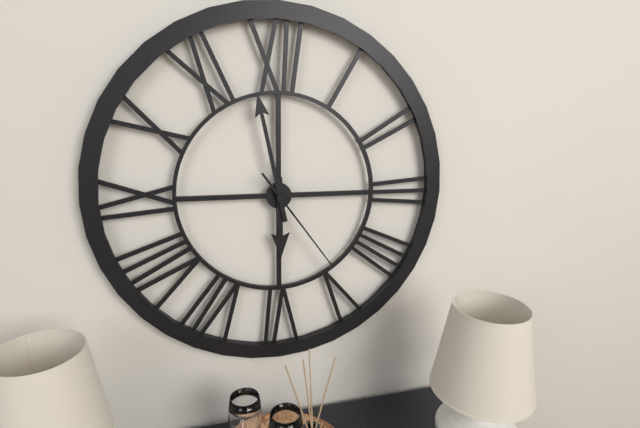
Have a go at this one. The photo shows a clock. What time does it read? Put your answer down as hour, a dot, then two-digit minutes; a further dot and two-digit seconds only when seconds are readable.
5.58.24
